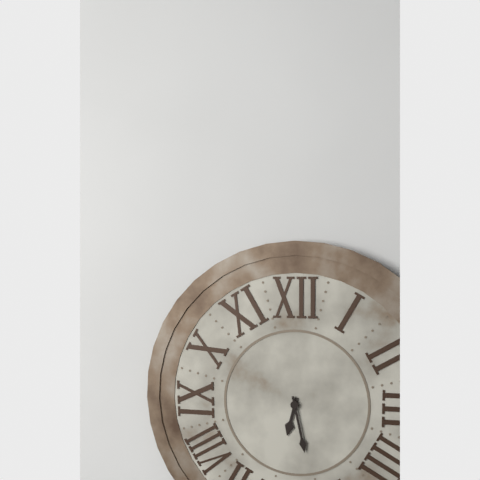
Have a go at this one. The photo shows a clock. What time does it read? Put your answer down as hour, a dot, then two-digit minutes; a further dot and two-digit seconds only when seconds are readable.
6.28
